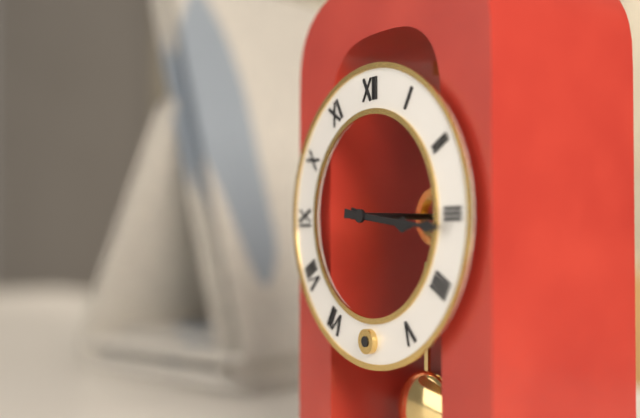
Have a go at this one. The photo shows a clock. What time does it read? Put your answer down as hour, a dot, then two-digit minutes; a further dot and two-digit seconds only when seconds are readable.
3.16
